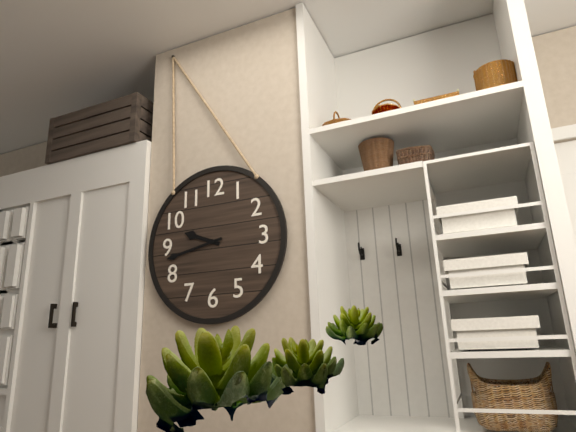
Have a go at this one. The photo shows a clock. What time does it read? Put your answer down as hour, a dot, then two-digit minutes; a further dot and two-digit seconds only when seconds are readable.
9.43
